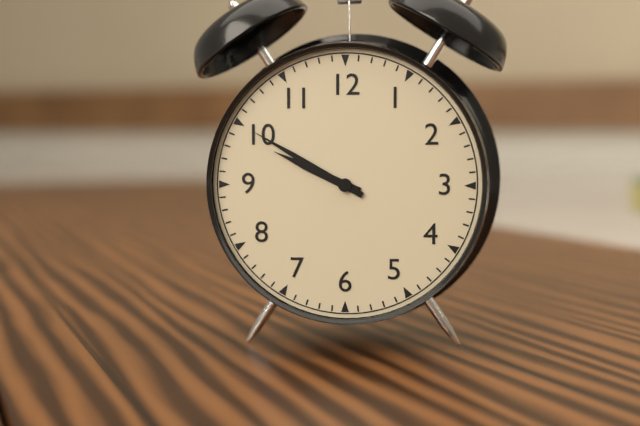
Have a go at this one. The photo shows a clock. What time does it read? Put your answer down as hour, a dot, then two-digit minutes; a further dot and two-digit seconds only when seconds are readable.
9.50
